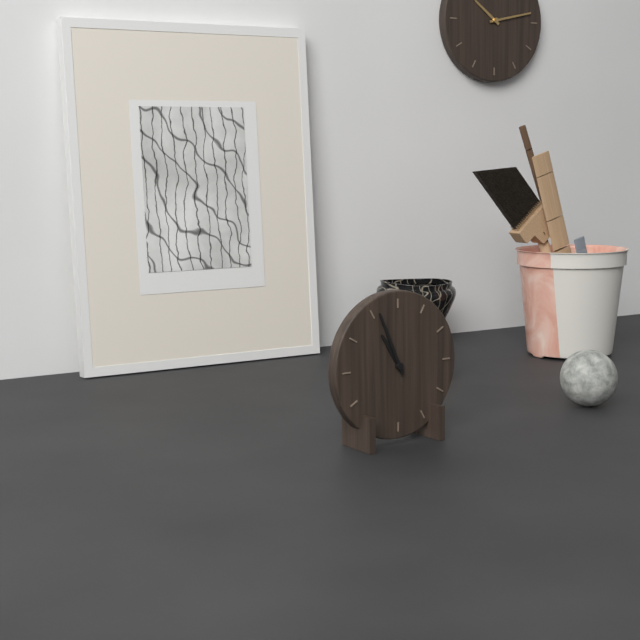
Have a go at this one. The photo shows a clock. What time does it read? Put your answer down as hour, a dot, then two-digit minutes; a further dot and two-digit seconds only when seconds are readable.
10.56
